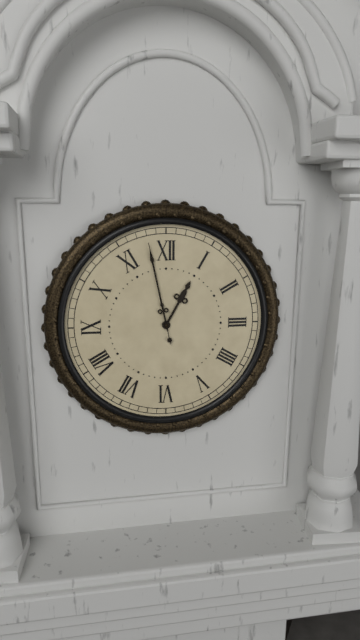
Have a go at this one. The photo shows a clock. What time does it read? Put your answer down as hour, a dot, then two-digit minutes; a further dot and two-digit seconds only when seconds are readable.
12.58.58
